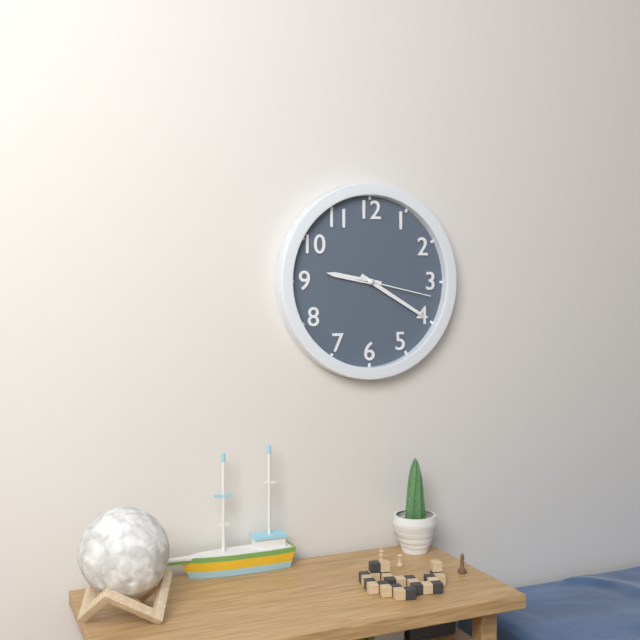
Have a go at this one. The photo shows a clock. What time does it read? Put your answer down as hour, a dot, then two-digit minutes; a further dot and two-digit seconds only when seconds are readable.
9.20.17
